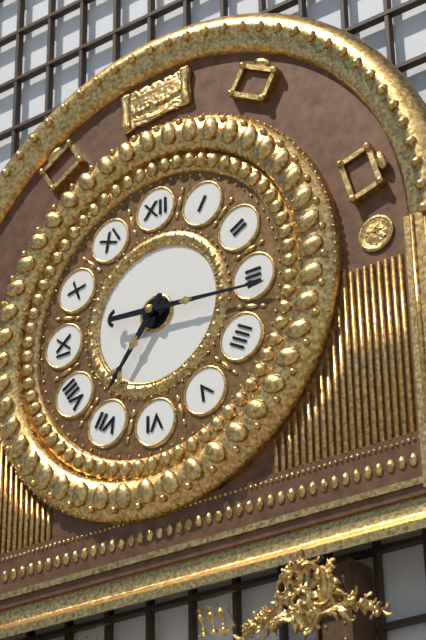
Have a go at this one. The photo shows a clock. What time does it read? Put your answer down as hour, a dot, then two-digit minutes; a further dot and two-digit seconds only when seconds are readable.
7.16
